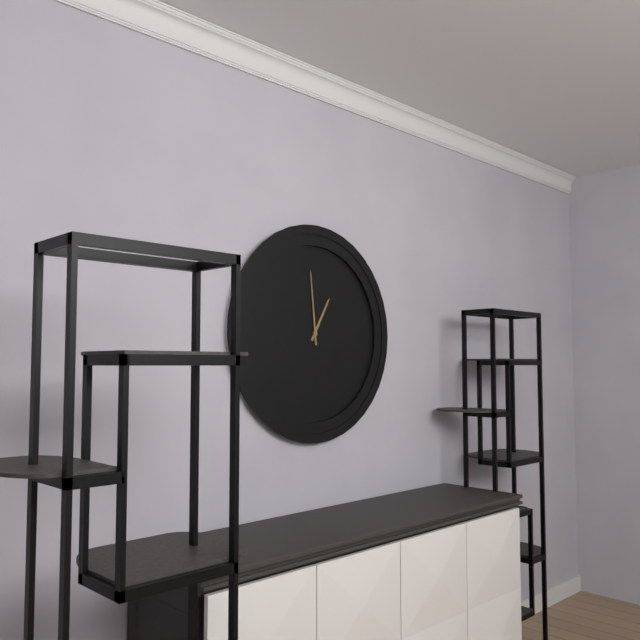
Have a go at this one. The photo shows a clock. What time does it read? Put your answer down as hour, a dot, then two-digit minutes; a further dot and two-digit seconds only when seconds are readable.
12.59
